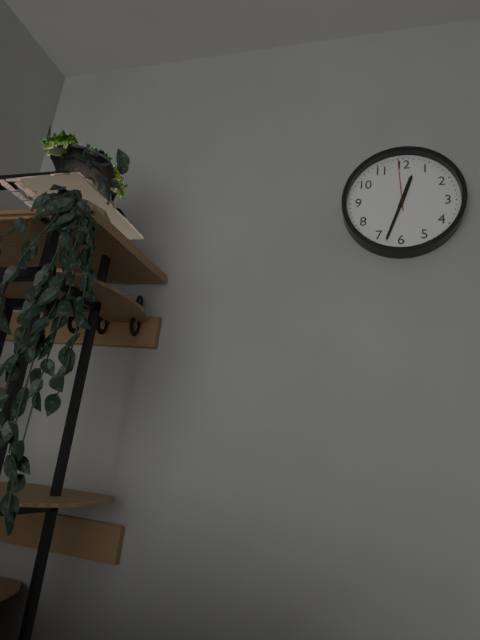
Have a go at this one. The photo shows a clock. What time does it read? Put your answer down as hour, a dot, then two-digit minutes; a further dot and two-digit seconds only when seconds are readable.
12.33.59
